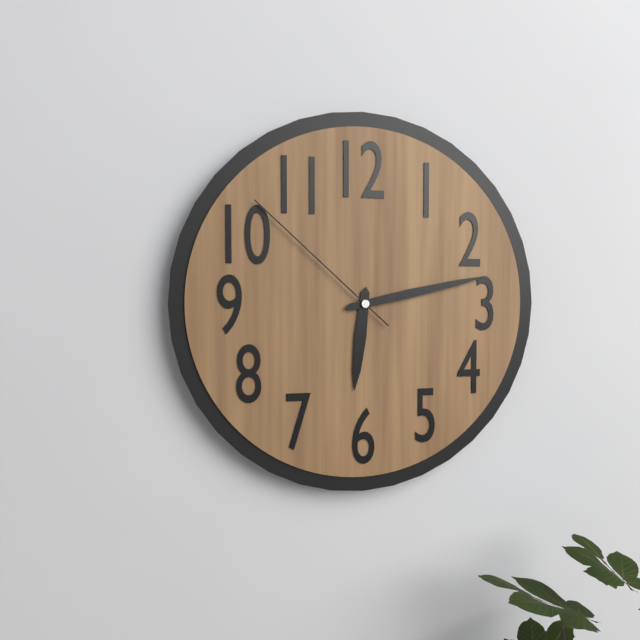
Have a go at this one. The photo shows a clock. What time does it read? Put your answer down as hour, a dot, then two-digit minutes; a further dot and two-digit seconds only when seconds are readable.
6.13.52
